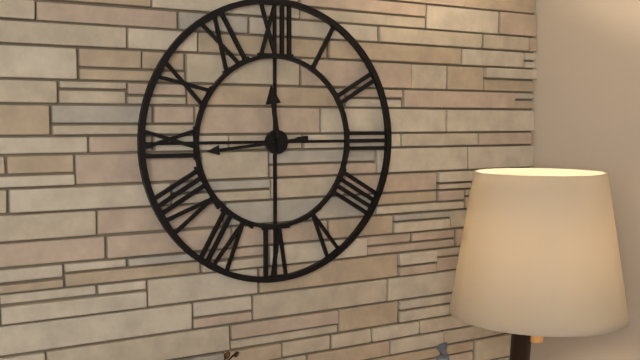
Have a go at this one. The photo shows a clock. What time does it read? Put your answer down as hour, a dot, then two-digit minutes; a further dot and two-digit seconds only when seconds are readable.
11.44
